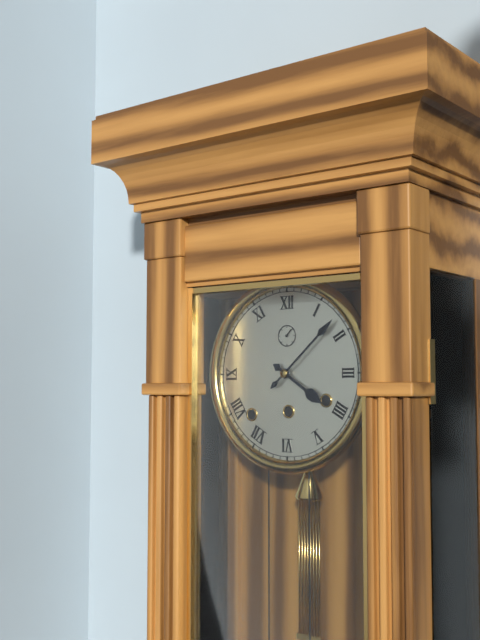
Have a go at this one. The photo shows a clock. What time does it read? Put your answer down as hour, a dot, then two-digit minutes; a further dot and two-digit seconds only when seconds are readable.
4.08
